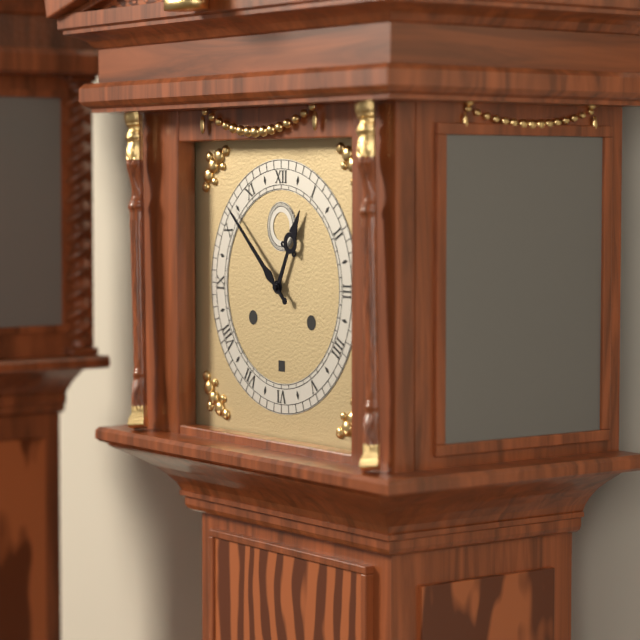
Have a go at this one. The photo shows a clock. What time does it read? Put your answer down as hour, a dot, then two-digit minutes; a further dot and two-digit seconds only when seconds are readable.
12.52
